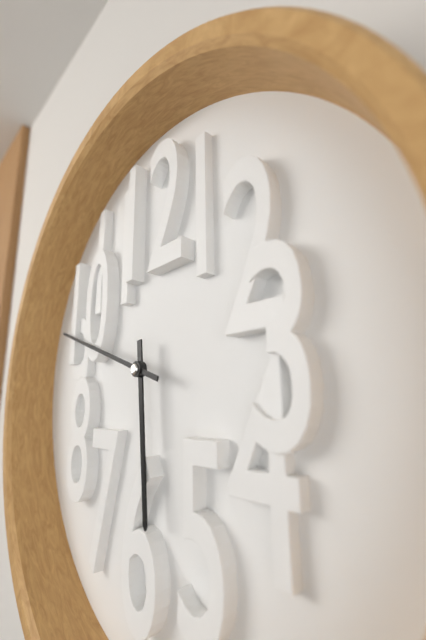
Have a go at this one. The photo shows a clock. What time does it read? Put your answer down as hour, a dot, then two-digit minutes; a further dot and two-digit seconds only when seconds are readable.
5.48
